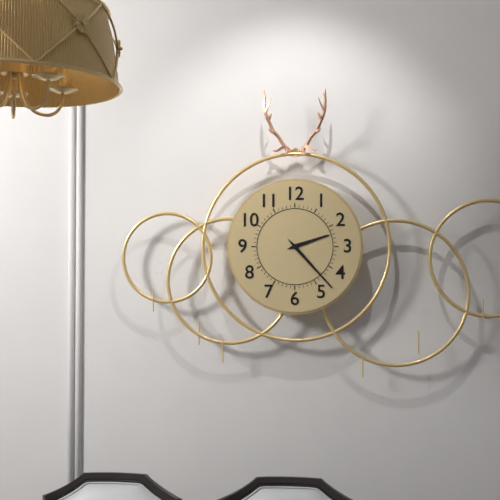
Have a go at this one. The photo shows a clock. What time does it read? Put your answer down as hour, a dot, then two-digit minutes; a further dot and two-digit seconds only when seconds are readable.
2.23
